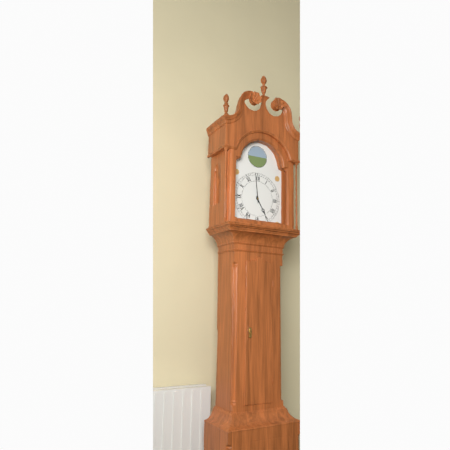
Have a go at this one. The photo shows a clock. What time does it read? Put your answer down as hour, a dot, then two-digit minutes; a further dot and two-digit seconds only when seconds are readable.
4.59
